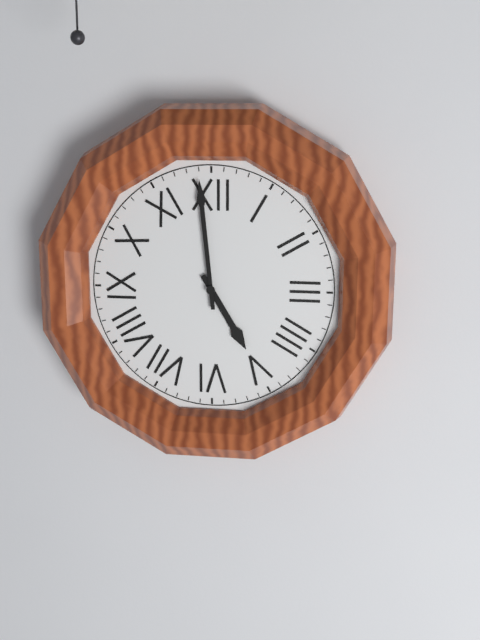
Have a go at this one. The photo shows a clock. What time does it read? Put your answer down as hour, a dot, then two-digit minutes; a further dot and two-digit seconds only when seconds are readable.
4.59
